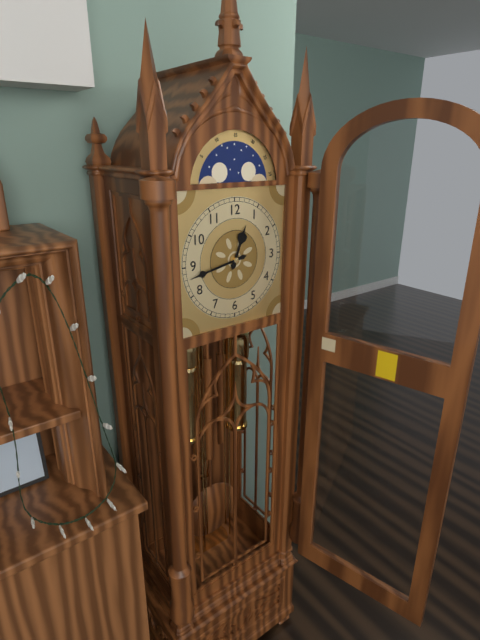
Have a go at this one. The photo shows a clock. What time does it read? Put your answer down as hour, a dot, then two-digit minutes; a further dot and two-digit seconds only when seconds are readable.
12.43
